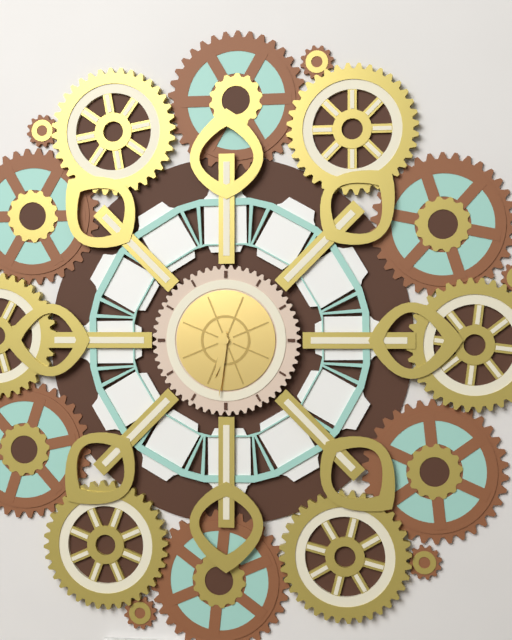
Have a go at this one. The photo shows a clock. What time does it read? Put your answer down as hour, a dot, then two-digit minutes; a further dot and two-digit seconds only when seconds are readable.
6.31
